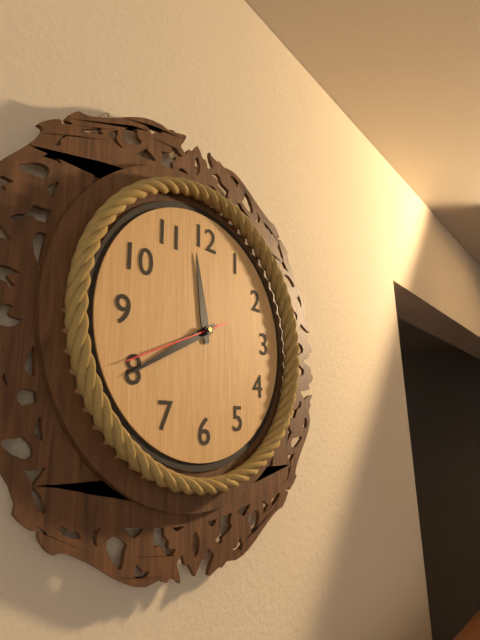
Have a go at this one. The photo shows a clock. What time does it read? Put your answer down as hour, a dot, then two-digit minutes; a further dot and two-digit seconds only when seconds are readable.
11.40.41
